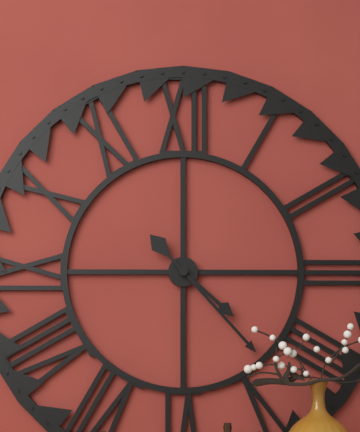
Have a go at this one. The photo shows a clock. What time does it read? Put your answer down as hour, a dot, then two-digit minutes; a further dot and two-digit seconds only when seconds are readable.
4.23
